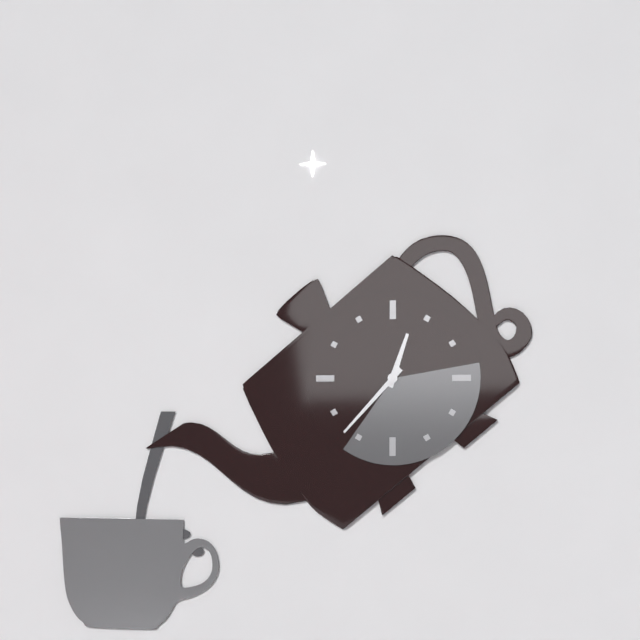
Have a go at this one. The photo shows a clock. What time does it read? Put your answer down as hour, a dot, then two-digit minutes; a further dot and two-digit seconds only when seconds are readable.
12.37
